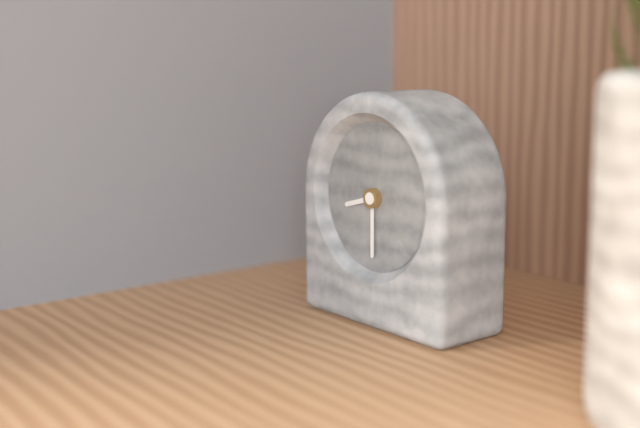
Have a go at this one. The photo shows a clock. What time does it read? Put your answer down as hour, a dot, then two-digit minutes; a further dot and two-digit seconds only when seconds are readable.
8.30
